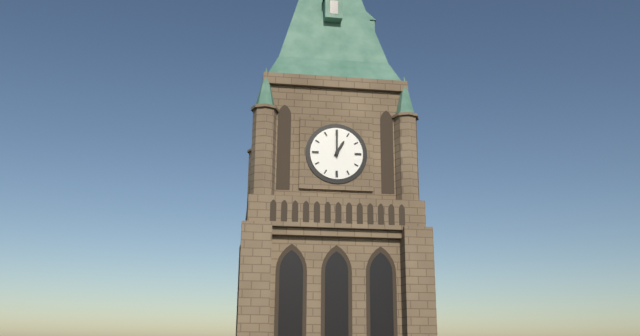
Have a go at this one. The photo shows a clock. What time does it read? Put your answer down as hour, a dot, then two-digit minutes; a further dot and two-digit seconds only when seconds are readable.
1.00
